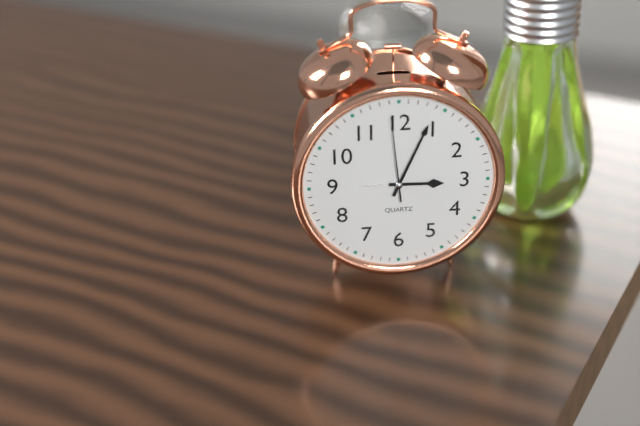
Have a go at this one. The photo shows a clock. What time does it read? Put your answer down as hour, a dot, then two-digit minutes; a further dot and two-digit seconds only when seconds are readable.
3.04.59
